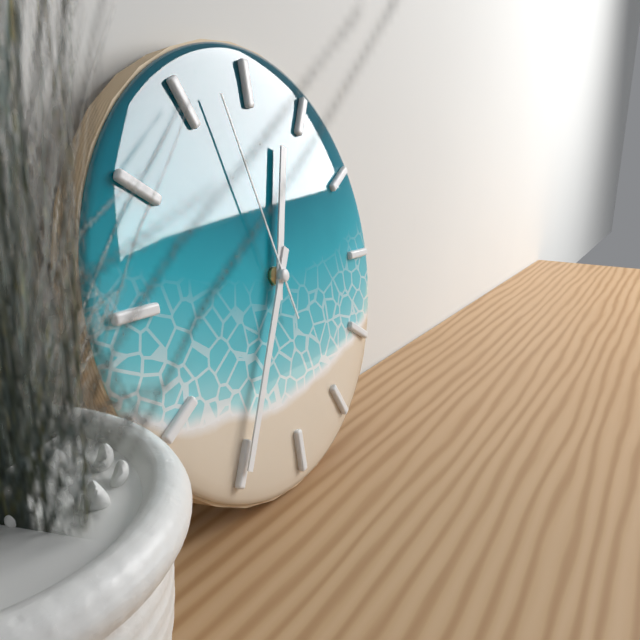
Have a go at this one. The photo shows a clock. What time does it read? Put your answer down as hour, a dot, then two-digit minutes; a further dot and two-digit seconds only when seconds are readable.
12.35.57
